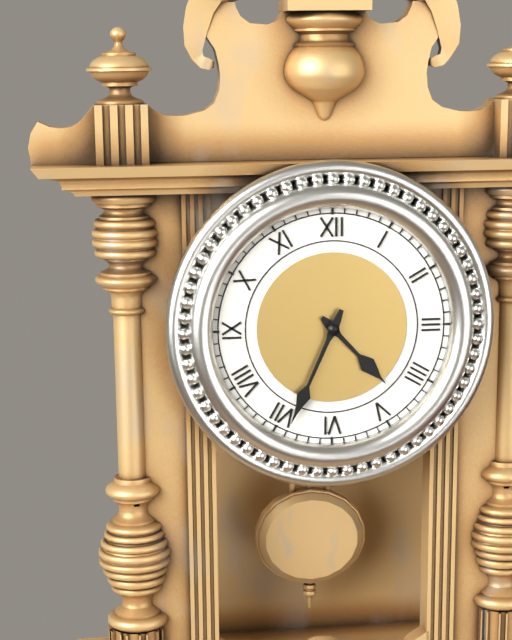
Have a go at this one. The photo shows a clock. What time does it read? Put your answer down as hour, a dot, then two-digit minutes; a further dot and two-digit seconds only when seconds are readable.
4.34
